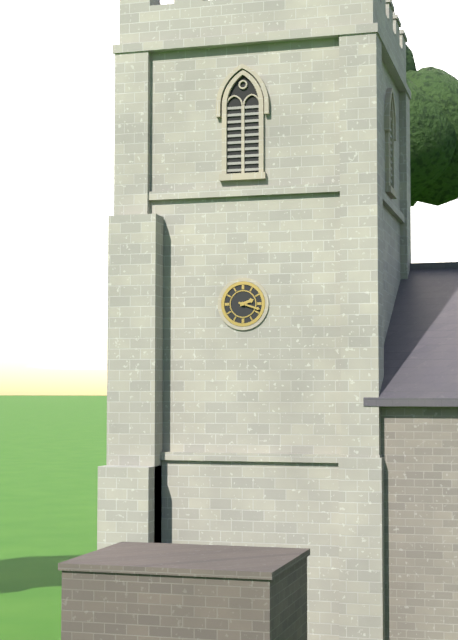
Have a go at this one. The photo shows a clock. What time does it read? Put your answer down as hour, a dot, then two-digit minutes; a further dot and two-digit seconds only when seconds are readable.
2.18
